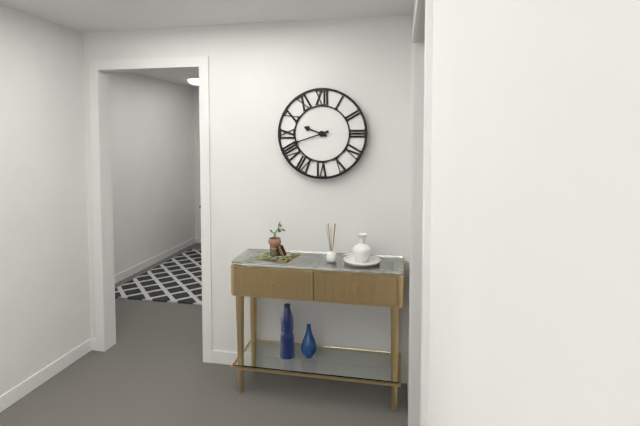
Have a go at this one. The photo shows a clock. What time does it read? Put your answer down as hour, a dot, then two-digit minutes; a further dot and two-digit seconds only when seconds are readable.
9.42
